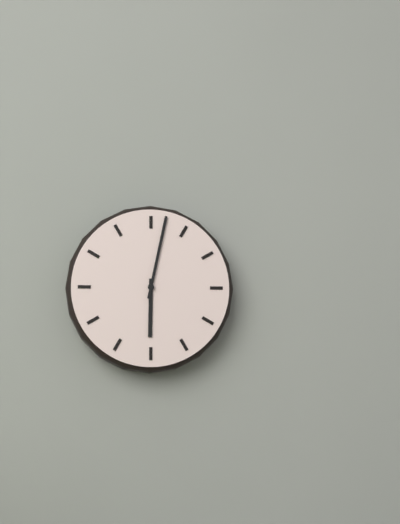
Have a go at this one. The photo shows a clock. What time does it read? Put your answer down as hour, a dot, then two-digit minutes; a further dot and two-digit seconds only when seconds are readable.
6.02
